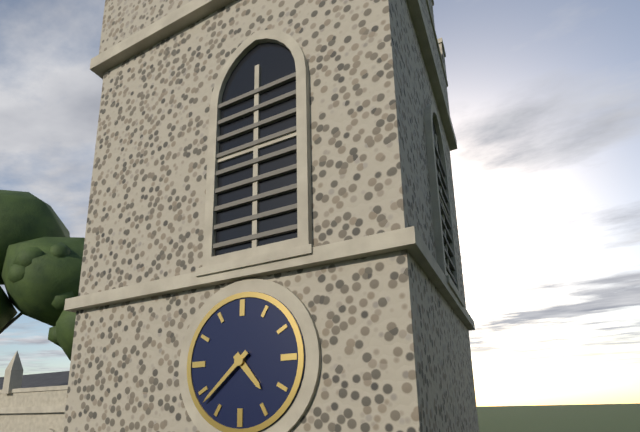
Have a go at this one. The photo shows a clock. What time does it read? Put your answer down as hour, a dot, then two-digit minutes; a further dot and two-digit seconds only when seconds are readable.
4.38
